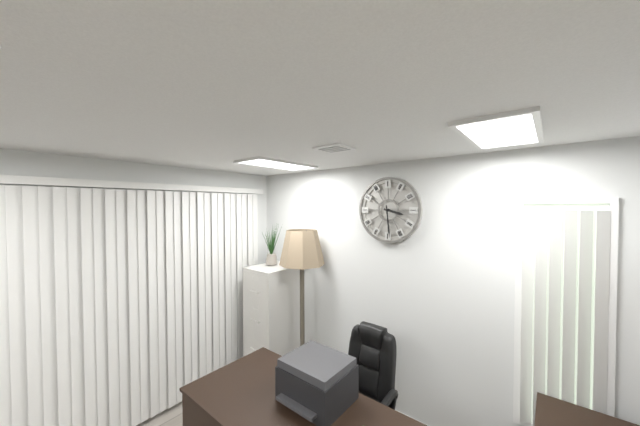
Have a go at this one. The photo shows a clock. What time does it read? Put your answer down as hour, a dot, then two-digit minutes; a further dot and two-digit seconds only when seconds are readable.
3.29
